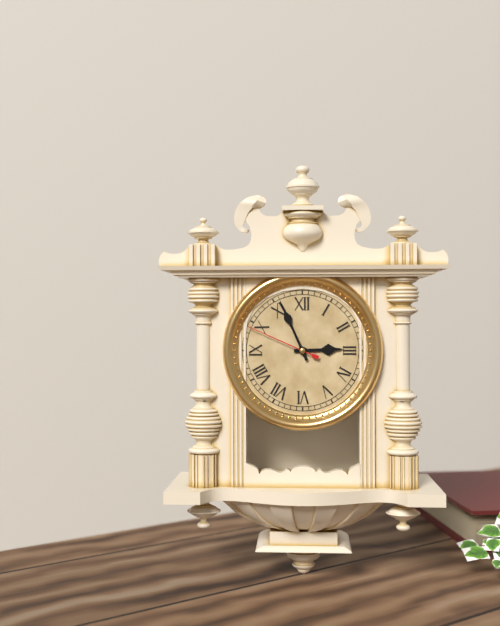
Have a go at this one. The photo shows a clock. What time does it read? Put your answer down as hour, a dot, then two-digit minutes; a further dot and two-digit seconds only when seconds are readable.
2.56.49
